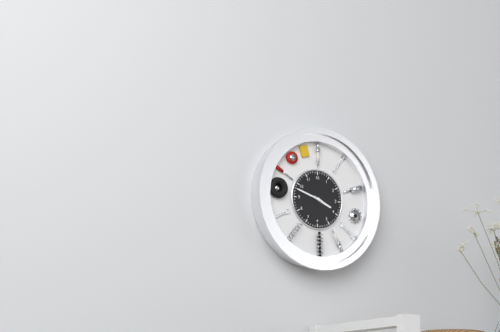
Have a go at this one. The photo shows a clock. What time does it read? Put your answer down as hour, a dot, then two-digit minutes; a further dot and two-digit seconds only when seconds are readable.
3.48
